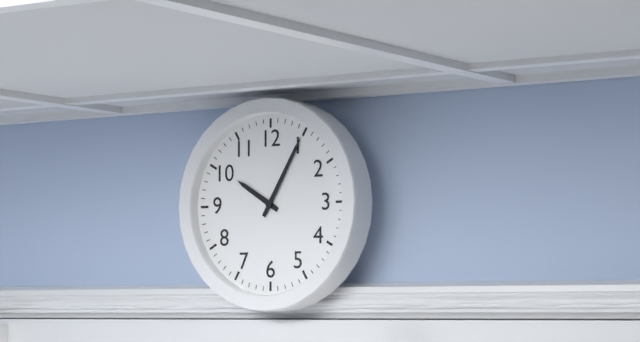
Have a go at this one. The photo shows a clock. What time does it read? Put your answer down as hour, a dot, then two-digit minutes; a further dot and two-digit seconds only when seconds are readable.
10.05
